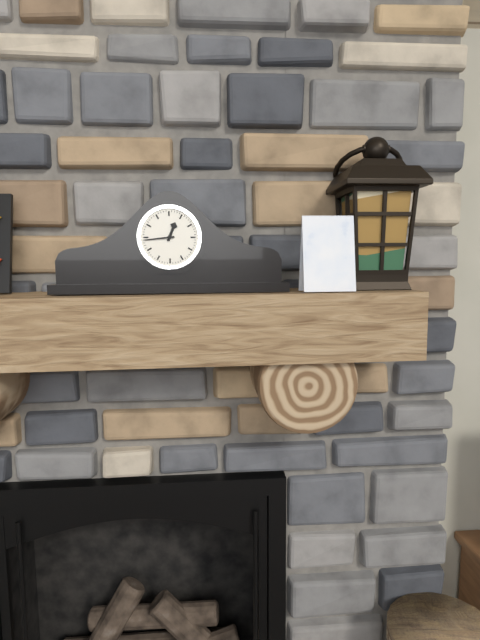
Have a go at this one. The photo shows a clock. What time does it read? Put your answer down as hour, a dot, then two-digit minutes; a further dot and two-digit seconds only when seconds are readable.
12.44
